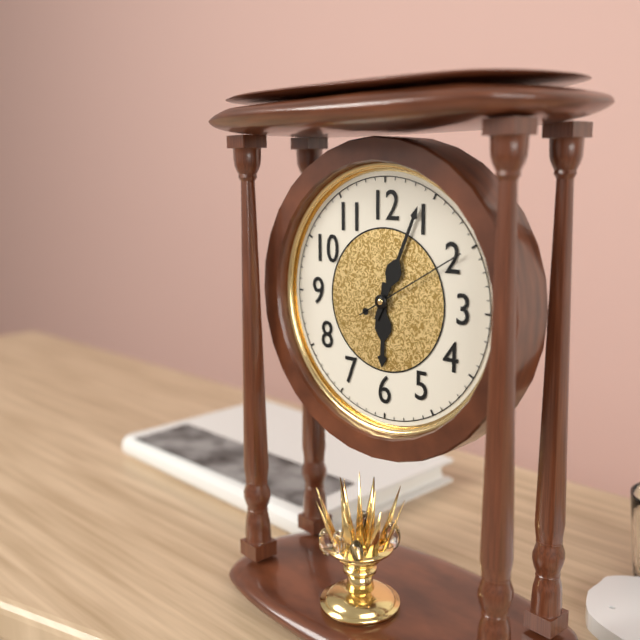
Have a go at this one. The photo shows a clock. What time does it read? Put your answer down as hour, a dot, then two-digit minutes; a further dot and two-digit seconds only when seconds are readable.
6.04.10
